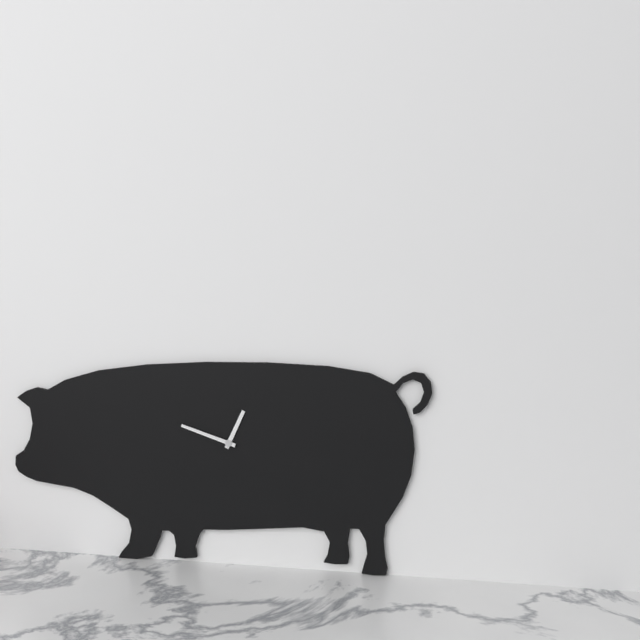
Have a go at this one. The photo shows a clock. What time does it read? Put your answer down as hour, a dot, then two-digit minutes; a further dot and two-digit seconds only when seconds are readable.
12.48
